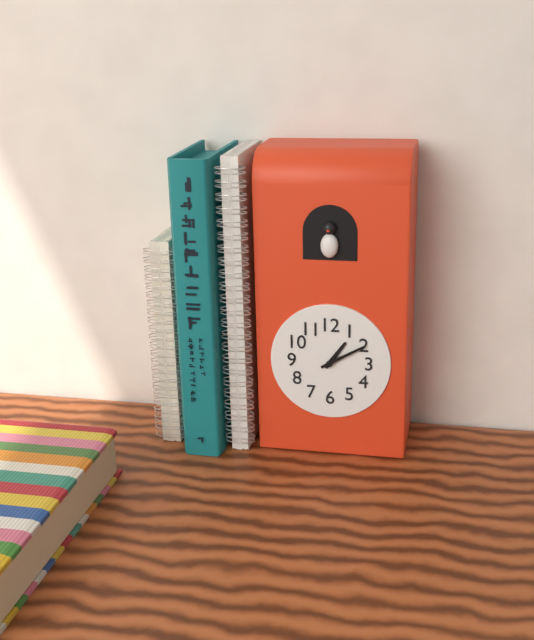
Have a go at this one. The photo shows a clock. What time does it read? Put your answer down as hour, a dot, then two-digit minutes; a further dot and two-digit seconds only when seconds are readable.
1.10
